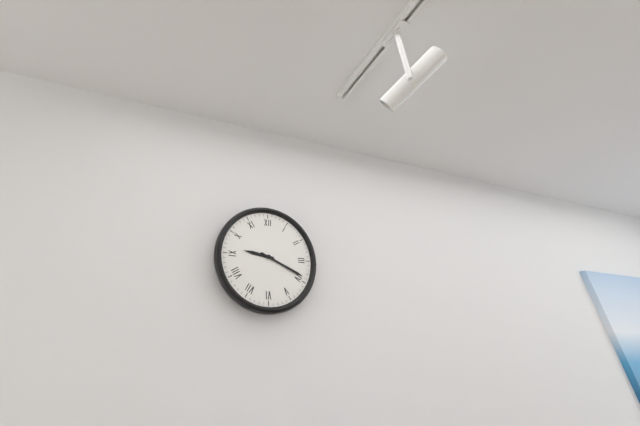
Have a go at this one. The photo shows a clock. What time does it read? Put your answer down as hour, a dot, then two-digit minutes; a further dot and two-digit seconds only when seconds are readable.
9.19
